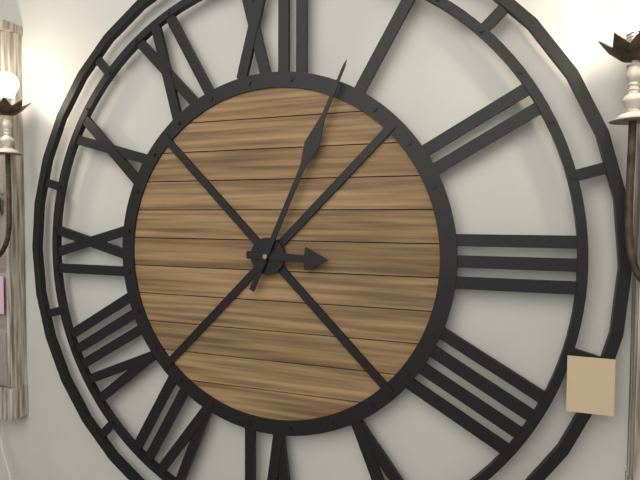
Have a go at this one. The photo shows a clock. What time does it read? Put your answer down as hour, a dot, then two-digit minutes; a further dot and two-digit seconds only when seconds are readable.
3.04
